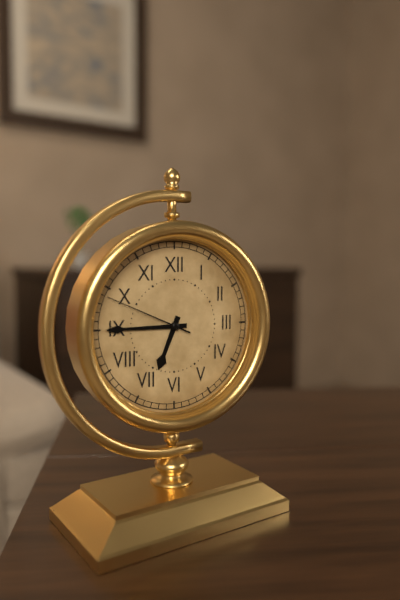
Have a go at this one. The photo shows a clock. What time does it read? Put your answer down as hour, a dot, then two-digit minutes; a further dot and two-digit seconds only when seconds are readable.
6.45.49
